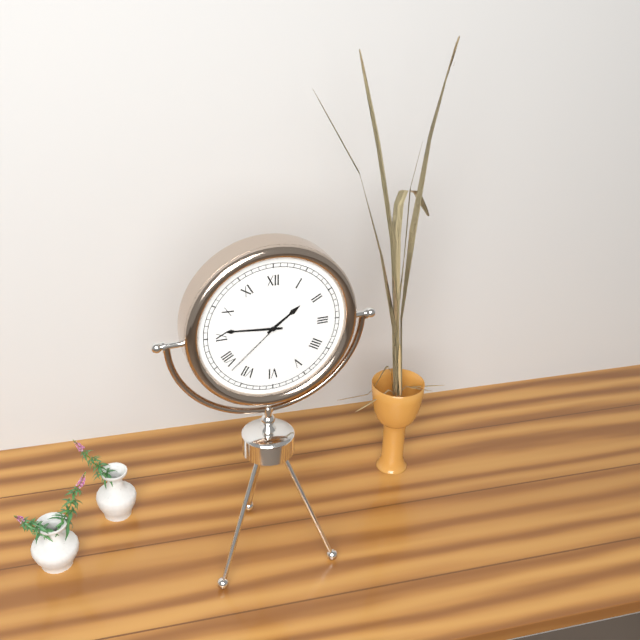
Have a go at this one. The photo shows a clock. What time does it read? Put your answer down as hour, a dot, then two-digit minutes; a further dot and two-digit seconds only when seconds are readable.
1.46.38
